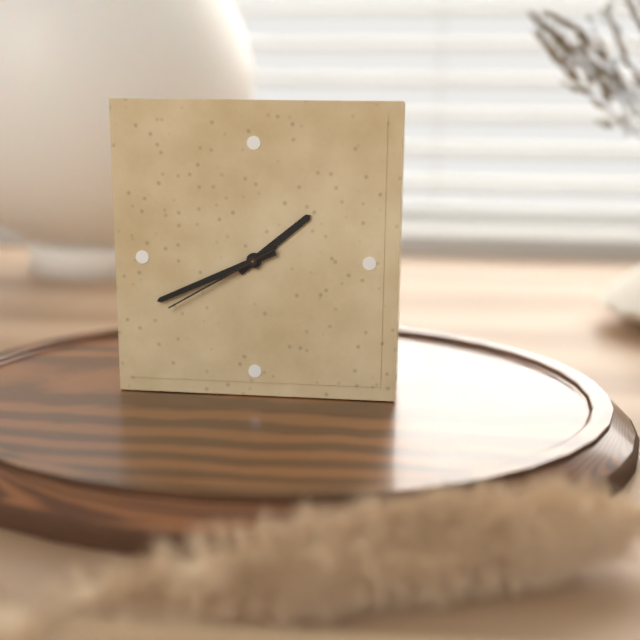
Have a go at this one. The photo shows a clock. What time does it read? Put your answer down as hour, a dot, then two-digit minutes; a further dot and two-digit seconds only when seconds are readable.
1.41.40
